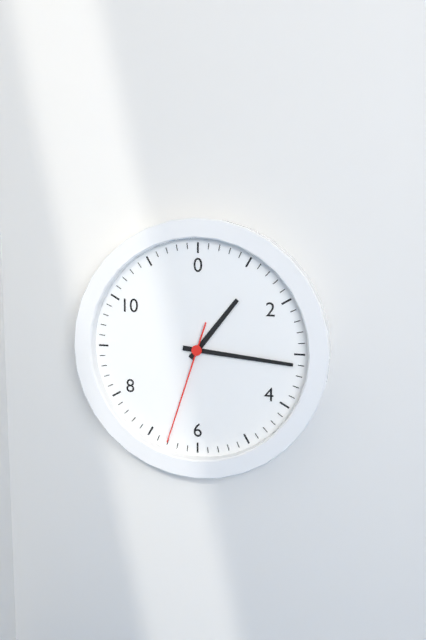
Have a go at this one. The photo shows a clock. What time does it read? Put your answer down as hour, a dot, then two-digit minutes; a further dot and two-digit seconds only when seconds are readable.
1.16.33
